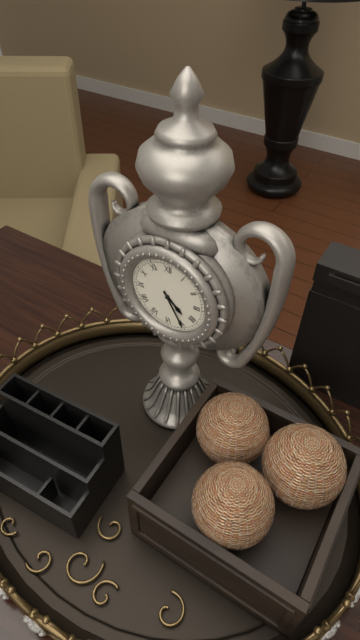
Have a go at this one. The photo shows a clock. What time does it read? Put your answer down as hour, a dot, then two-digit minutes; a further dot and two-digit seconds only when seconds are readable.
4.25
